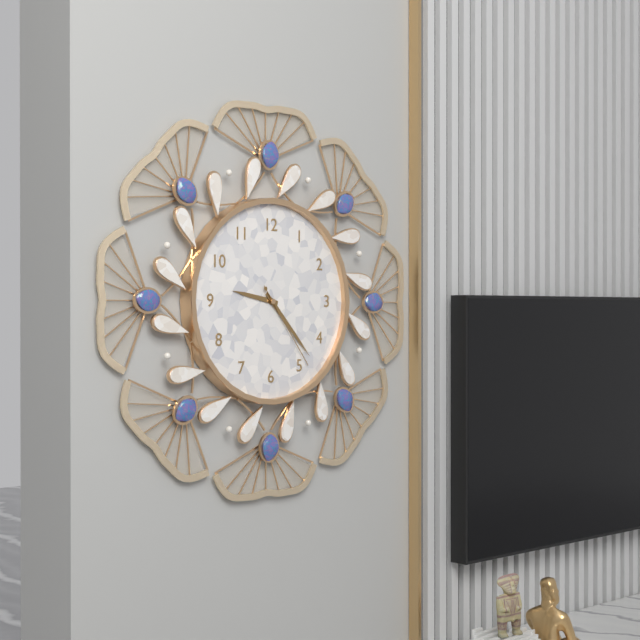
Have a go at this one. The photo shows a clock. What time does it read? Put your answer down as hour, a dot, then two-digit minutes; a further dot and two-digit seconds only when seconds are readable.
9.23.24
